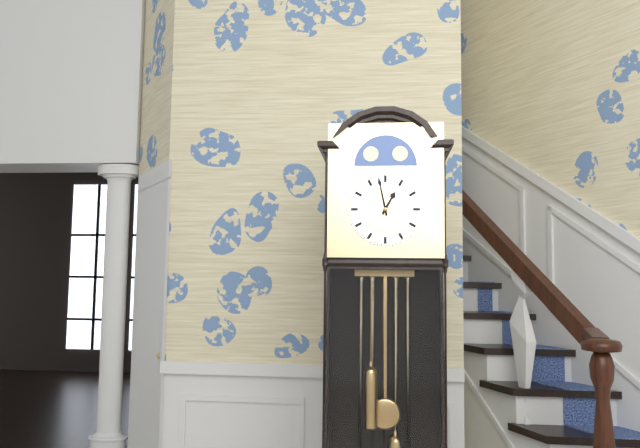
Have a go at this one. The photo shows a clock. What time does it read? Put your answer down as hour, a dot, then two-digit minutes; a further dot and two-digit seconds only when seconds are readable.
12.58
